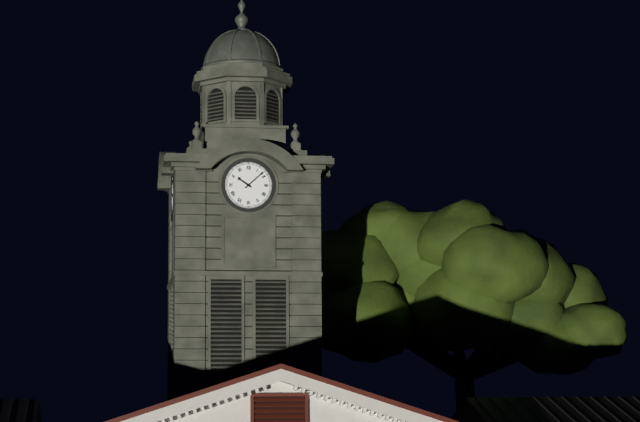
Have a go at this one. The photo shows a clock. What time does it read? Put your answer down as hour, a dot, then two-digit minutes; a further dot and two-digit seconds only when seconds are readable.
10.08
